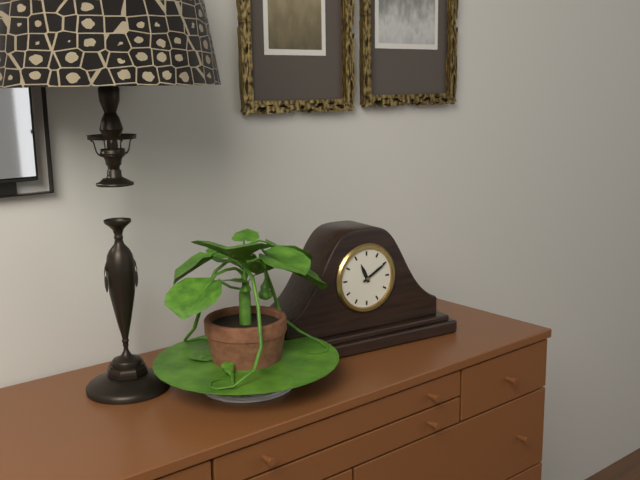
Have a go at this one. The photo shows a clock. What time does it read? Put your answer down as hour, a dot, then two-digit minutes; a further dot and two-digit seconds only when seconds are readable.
11.10
